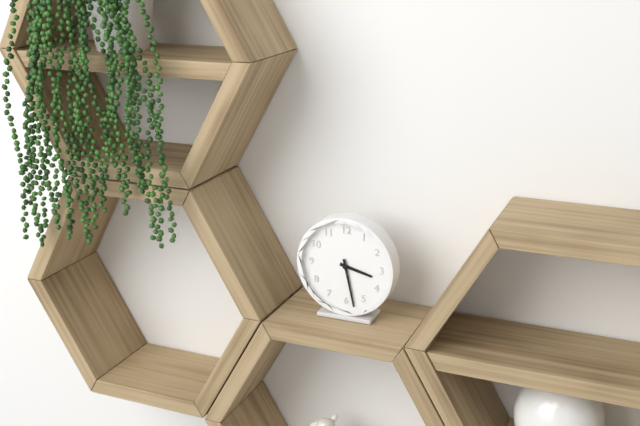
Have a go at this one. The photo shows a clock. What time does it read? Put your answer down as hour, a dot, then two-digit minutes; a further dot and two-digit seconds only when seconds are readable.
3.28
